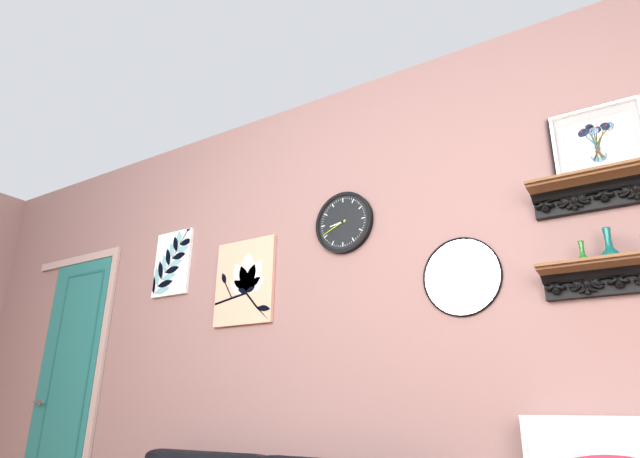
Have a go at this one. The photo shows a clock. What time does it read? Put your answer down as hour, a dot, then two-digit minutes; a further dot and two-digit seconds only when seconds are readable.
8.41
